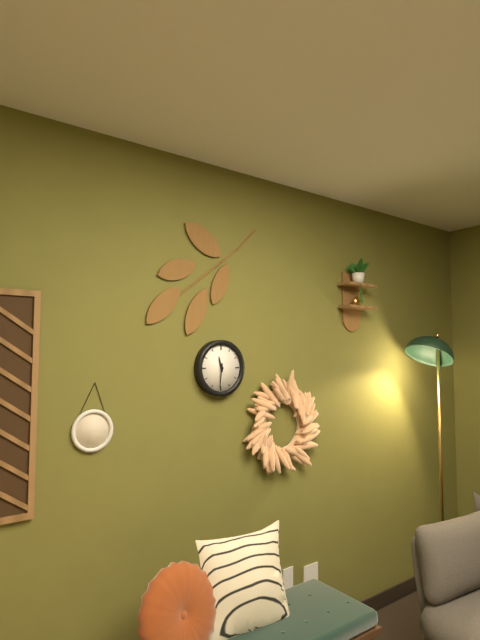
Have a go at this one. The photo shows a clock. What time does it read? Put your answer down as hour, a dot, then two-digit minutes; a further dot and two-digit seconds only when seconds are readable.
11.31
